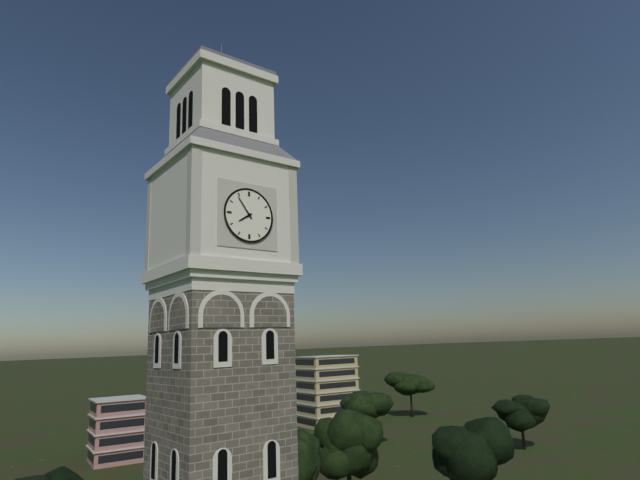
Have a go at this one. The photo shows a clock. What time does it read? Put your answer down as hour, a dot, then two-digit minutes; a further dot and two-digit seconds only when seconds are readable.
7.54
